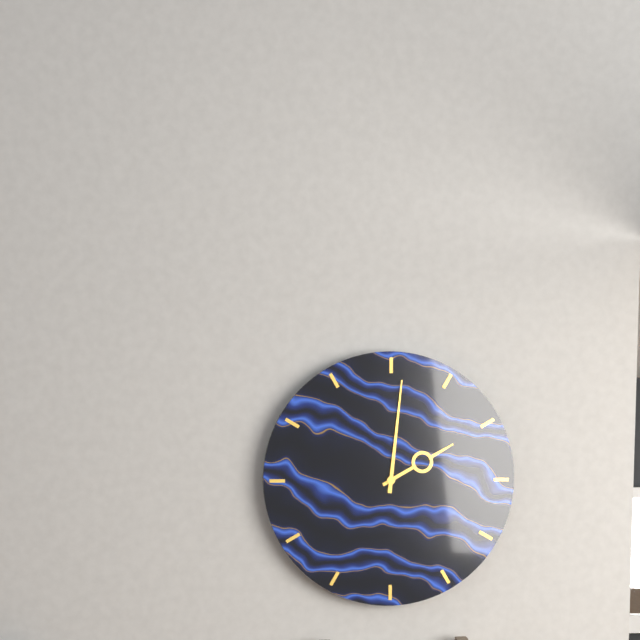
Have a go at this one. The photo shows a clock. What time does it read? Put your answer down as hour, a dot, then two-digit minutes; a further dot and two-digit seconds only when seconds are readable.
2.01
